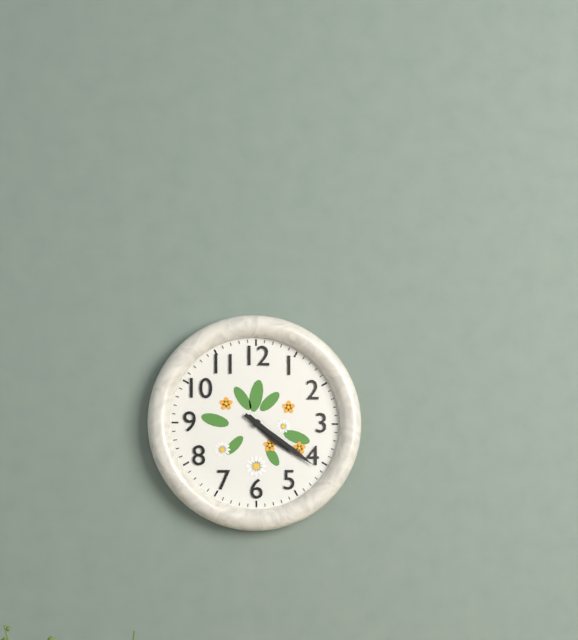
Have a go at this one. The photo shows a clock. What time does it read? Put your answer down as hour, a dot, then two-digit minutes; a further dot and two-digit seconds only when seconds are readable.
4.21
